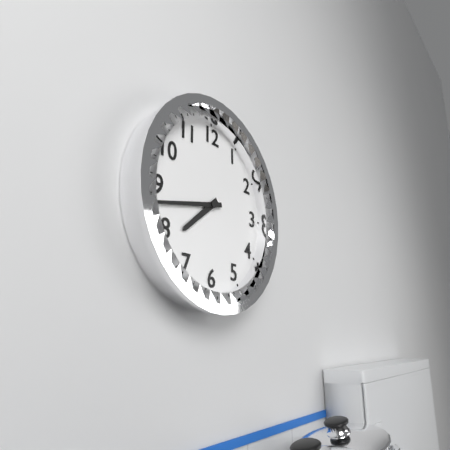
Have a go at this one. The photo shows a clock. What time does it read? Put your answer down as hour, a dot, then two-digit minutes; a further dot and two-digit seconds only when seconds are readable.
7.43
